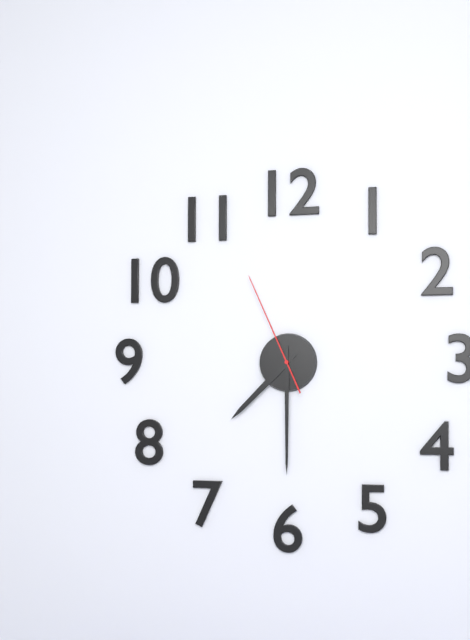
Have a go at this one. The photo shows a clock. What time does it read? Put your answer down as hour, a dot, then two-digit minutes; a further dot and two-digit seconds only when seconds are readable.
7.30.56
